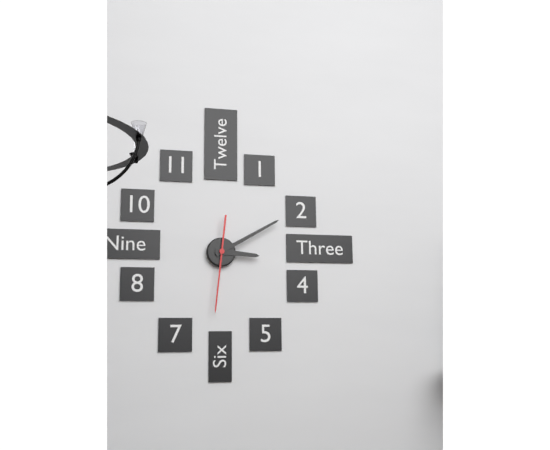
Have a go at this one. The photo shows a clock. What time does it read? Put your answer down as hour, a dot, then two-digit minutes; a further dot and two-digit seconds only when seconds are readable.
3.10.31
